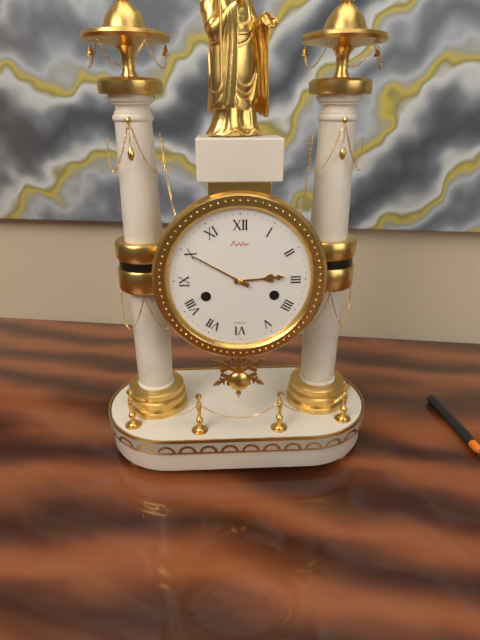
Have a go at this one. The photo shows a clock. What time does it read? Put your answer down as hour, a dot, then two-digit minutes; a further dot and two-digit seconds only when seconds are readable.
2.50
